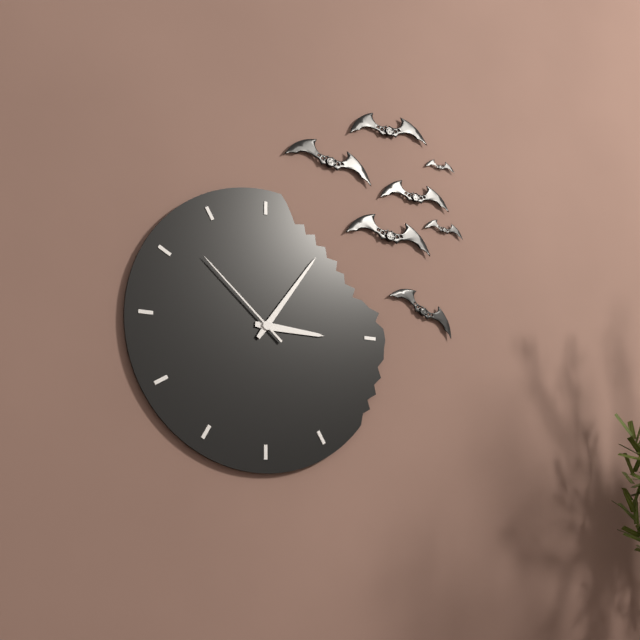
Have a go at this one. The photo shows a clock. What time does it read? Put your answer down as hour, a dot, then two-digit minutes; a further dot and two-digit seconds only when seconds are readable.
3.06.52
